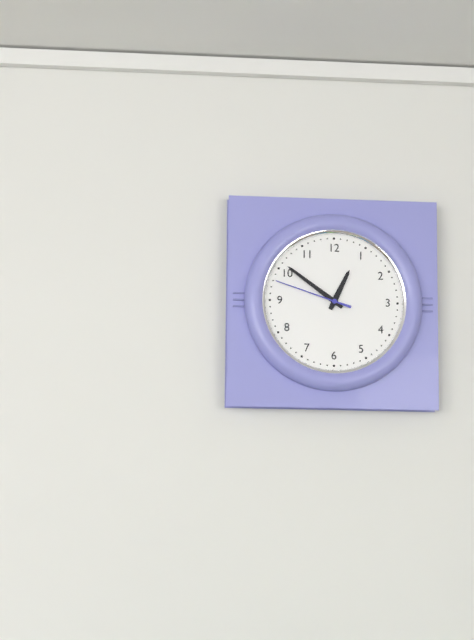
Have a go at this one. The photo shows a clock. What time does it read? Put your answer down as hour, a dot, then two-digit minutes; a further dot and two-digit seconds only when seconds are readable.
12.51.48
